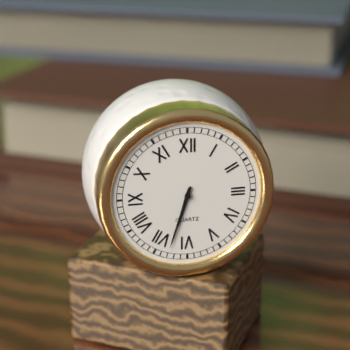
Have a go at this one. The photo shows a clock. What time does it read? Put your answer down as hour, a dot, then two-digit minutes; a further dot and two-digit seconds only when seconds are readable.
6.33
